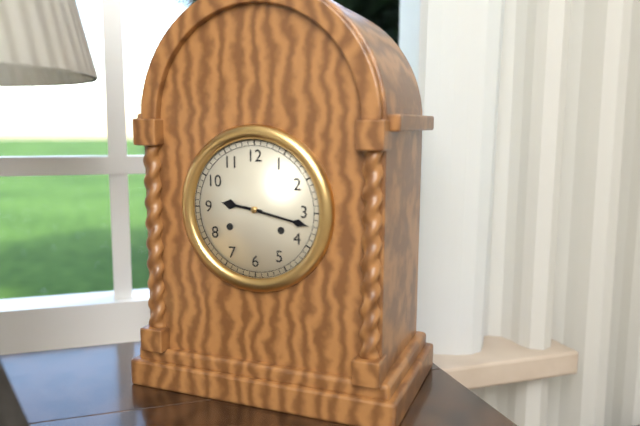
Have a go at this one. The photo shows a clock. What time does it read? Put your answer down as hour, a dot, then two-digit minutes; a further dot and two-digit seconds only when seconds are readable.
9.17
